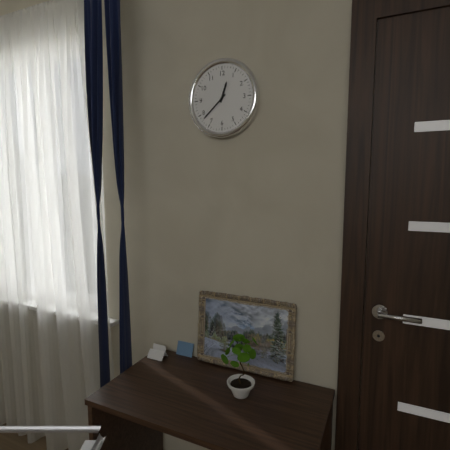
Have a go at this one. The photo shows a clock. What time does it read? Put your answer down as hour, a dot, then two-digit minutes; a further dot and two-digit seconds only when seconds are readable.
12.38
